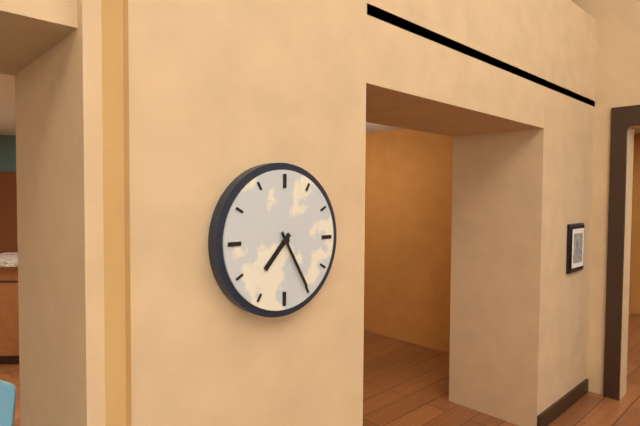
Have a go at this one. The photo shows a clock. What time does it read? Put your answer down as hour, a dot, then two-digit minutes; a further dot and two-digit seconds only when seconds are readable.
7.25
